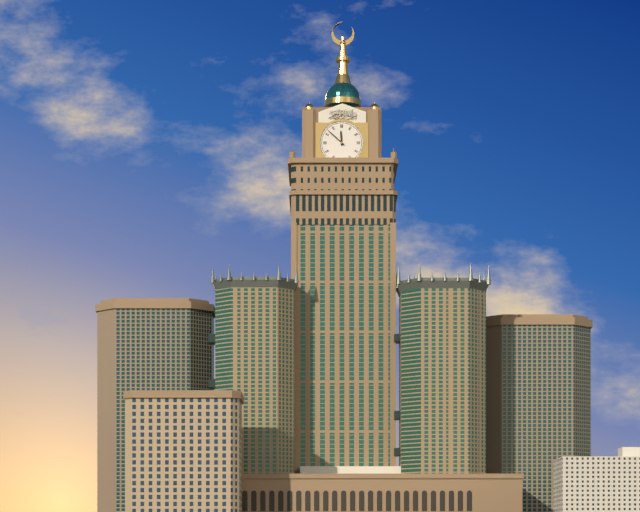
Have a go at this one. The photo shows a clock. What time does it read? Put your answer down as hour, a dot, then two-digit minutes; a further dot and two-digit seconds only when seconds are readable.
11.52
